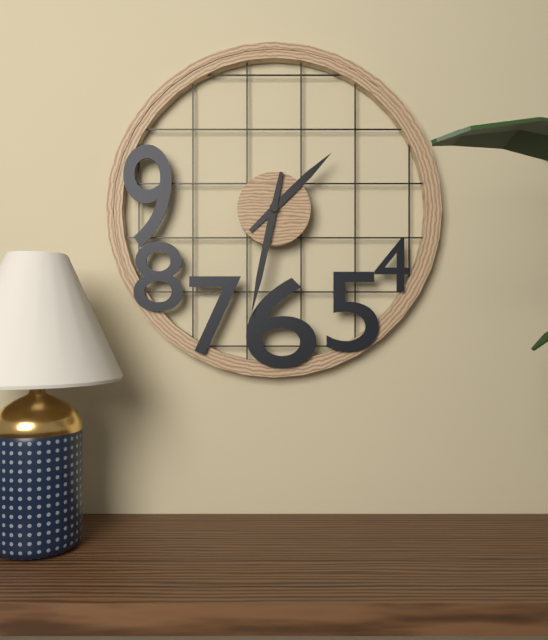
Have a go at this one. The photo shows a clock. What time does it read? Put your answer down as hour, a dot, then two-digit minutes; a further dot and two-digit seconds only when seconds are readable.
1.32
